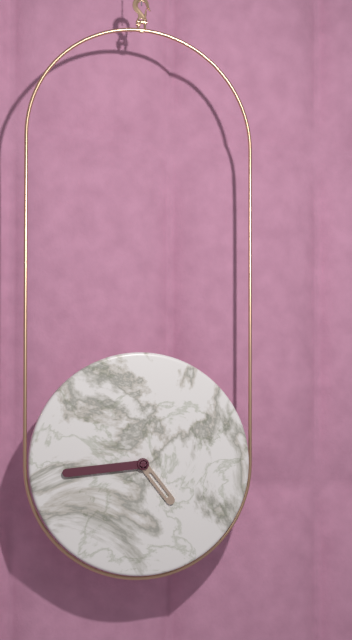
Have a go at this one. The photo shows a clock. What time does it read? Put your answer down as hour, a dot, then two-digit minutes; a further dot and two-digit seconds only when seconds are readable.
4.44
